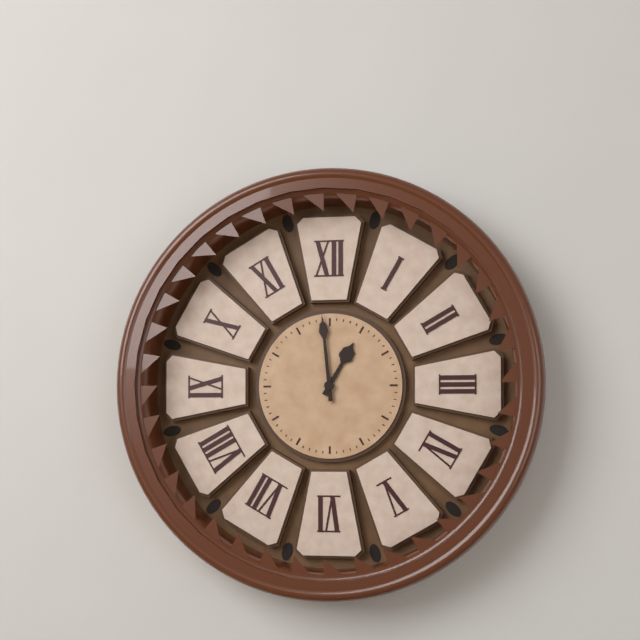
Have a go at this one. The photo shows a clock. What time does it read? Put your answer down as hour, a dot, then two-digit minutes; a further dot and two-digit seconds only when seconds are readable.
12.59
